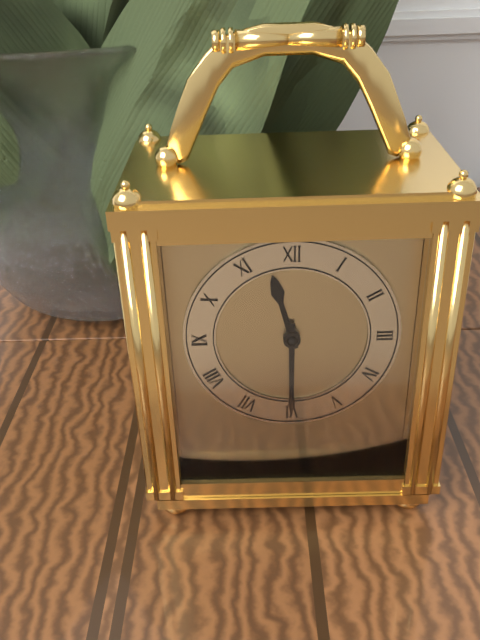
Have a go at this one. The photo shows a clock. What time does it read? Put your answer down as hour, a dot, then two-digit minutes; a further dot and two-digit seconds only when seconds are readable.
11.30
